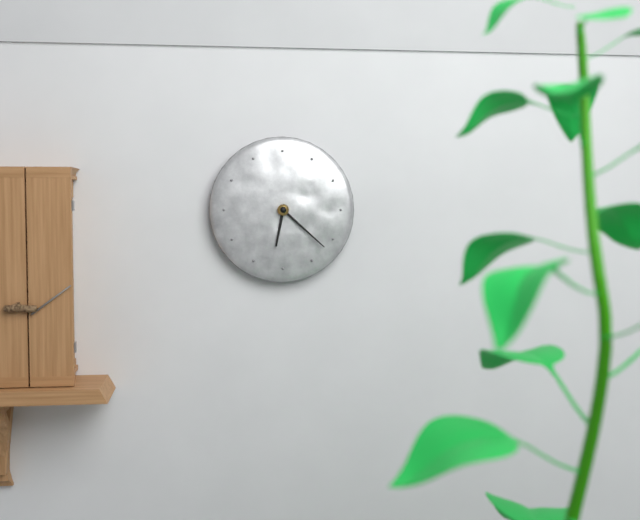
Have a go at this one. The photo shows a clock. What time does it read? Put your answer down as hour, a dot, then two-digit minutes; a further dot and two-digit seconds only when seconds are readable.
6.22
